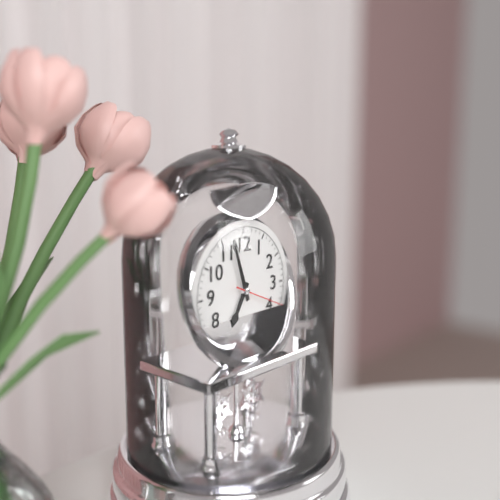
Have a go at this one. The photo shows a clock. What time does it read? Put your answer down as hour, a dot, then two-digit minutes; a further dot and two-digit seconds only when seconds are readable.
6.57.19
